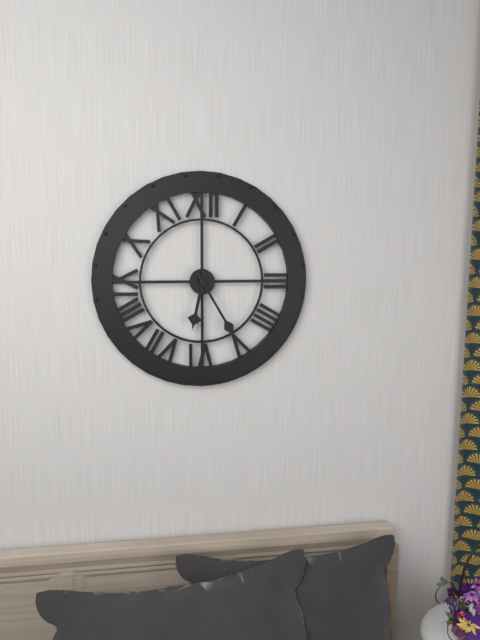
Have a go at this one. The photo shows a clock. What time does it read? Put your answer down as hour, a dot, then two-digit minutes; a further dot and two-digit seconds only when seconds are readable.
6.25
